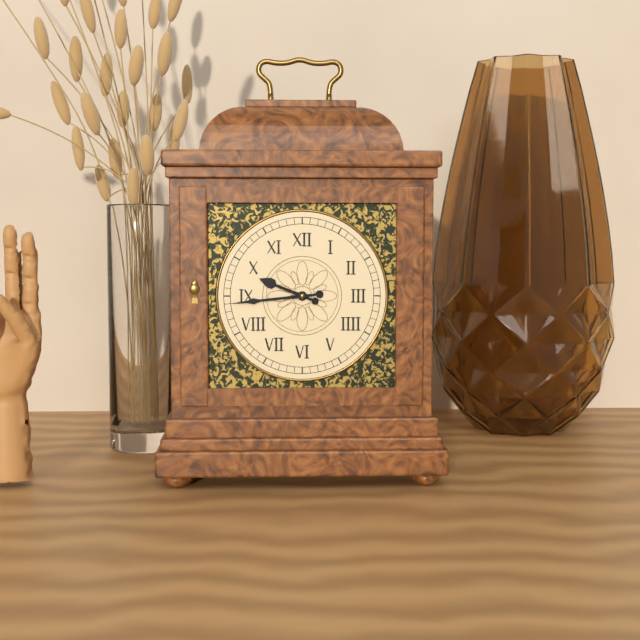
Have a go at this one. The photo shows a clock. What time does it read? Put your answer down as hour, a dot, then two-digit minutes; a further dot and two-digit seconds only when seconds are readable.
9.44
